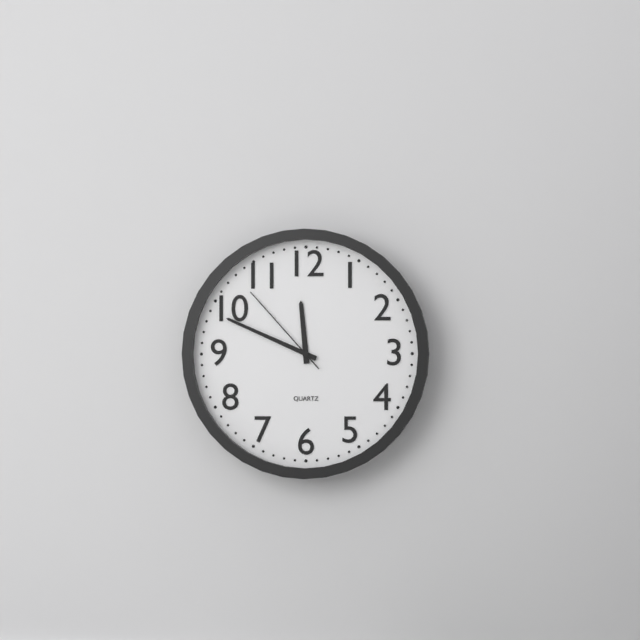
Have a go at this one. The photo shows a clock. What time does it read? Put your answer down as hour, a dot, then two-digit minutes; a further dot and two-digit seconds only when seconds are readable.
11.49.53
